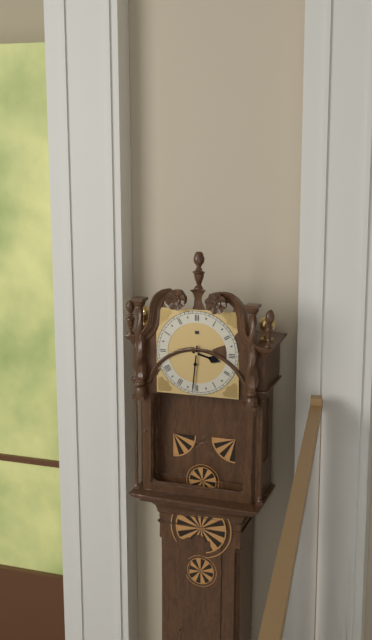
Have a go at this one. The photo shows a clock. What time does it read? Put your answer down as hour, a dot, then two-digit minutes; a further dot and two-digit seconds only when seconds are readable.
3.31
